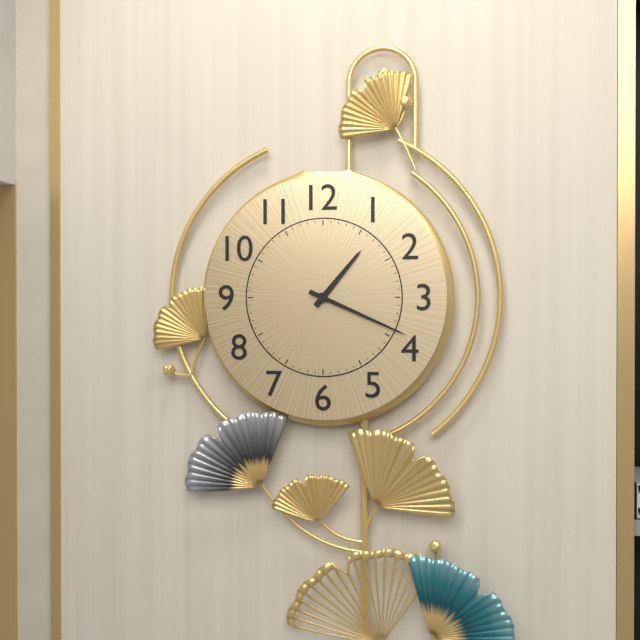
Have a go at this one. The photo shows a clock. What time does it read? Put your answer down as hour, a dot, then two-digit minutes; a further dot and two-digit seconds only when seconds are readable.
1.19
